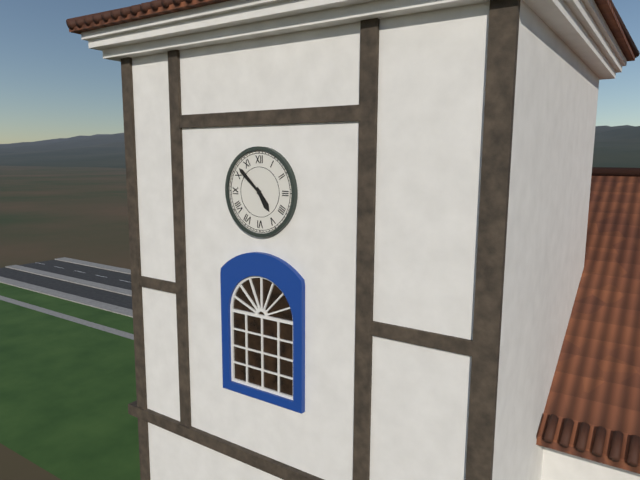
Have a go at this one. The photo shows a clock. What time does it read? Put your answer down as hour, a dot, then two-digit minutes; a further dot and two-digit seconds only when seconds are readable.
4.52
